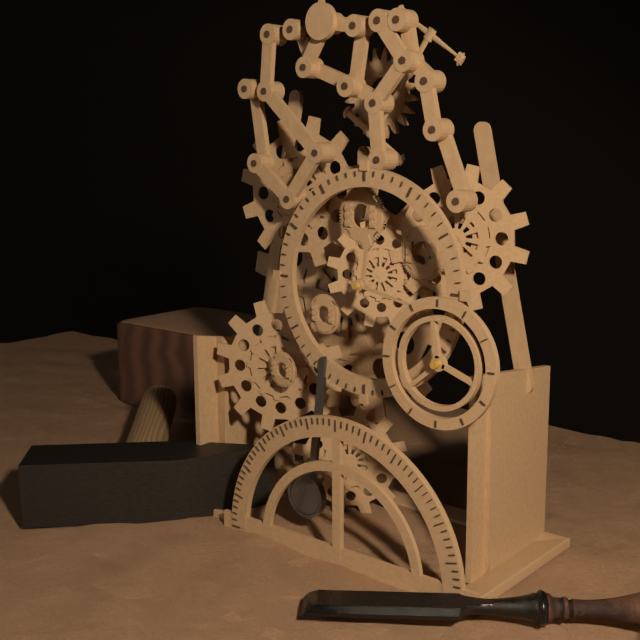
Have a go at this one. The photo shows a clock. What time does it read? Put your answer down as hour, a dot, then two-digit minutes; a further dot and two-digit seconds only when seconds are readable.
12.17
